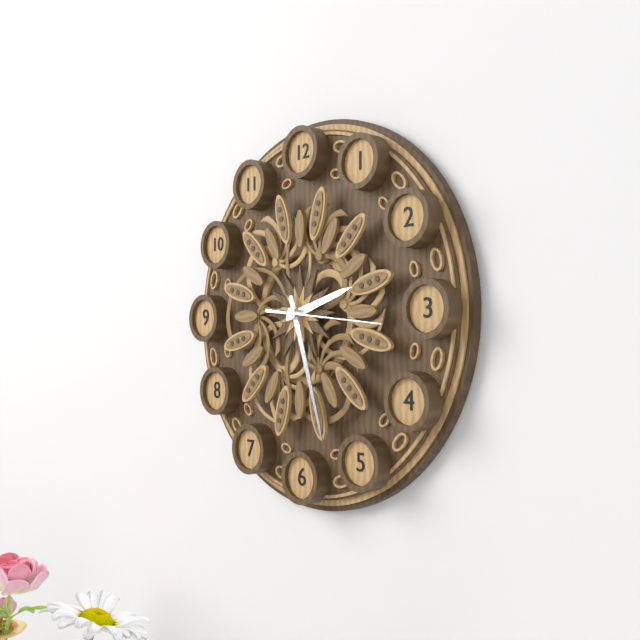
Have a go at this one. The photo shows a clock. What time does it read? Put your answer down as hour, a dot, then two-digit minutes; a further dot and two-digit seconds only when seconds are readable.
2.27.16
